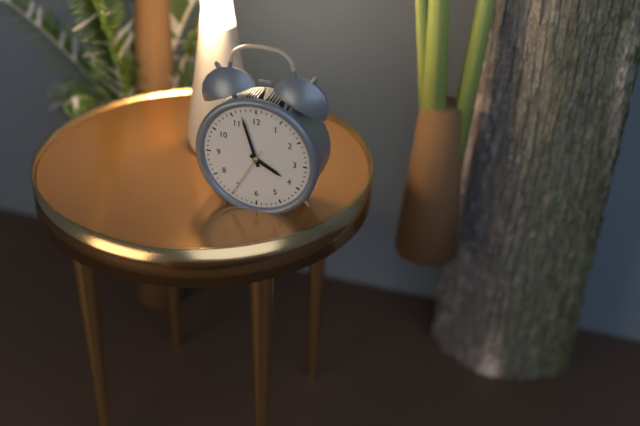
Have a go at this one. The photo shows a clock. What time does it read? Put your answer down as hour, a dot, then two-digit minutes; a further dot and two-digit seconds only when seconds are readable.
3.57.35
